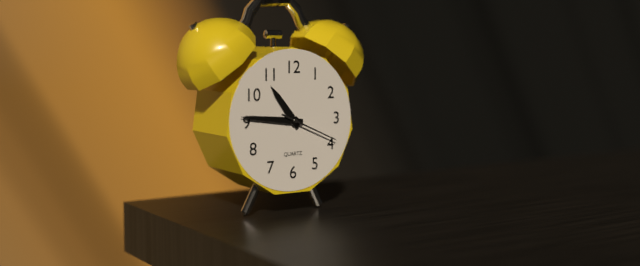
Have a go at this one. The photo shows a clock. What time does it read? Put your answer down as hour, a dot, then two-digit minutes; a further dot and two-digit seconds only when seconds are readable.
10.46.19
